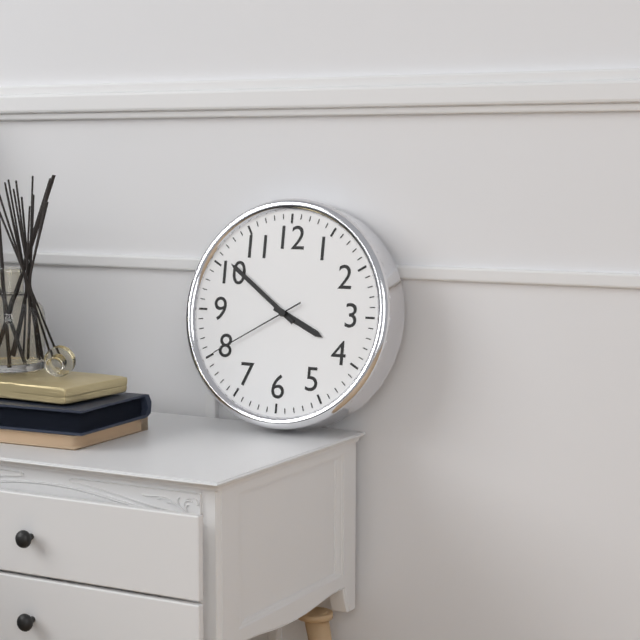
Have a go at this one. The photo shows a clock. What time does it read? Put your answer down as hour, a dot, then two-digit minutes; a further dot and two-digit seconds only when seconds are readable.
3.51.40
